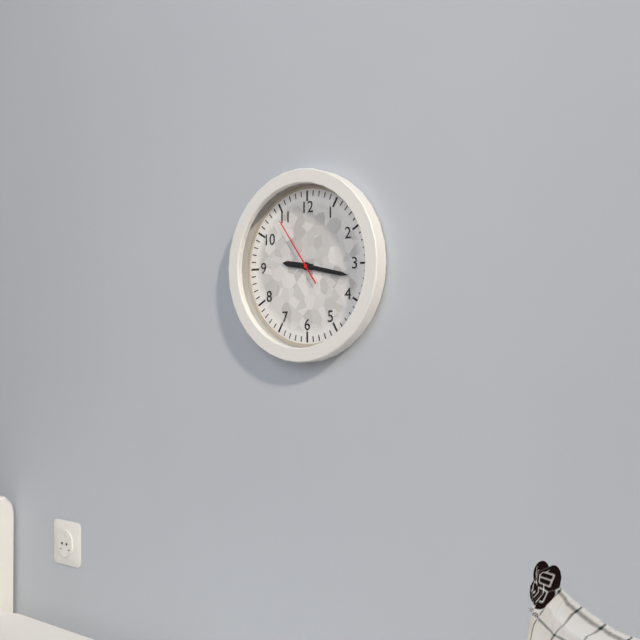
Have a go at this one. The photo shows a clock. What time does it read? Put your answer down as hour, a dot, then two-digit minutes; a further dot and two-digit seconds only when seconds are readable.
9.17.54
